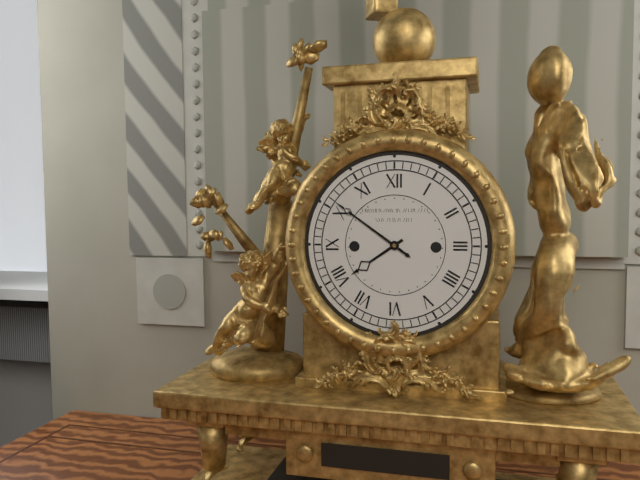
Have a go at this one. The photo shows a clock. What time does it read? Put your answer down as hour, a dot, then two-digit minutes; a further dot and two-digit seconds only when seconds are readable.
7.51
